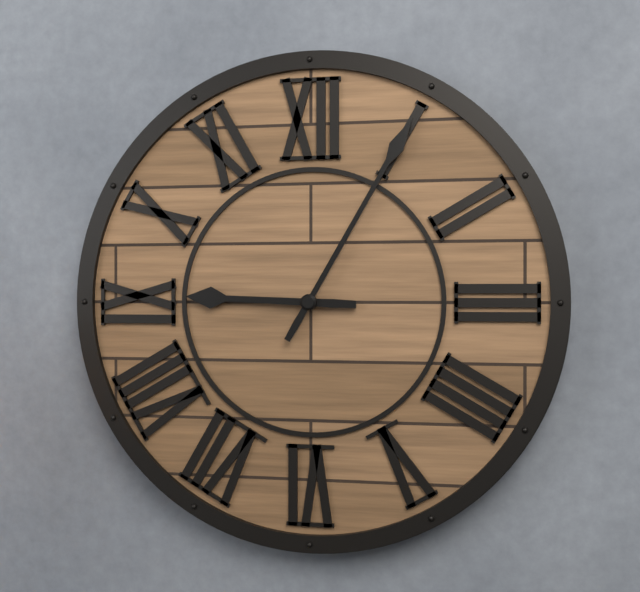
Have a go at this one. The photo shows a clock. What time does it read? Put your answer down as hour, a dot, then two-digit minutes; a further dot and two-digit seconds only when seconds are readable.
9.05
